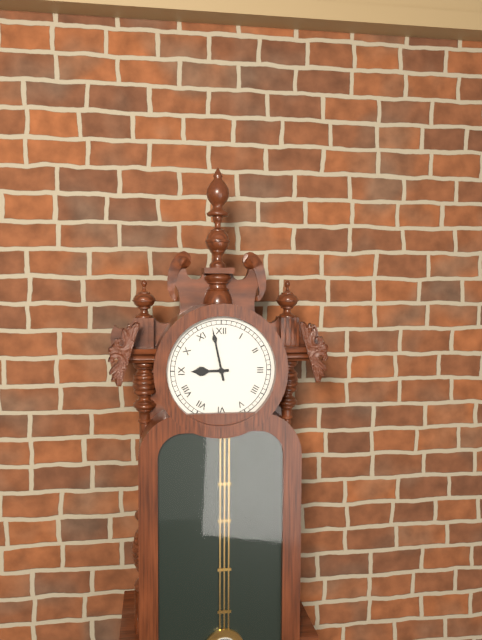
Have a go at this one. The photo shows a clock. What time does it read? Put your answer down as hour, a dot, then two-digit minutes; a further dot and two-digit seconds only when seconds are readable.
8.58
